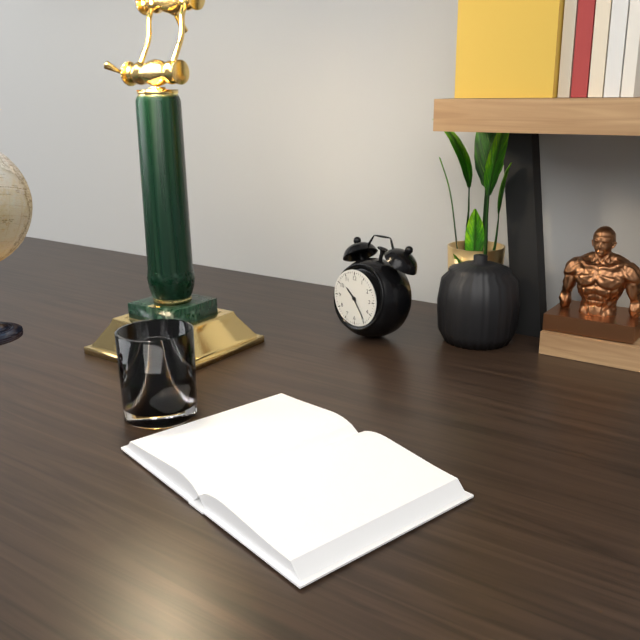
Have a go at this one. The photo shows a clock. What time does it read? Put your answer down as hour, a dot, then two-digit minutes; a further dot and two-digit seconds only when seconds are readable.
10.24
